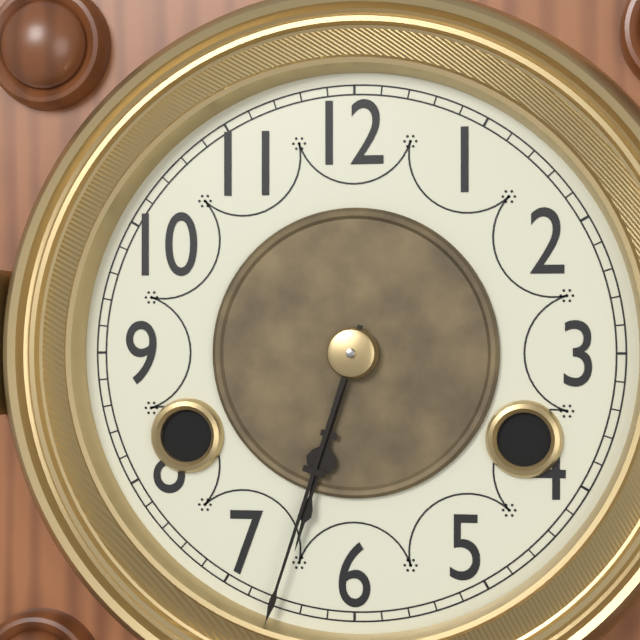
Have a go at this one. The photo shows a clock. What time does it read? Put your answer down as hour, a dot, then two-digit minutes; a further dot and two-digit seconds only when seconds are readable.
6.33
